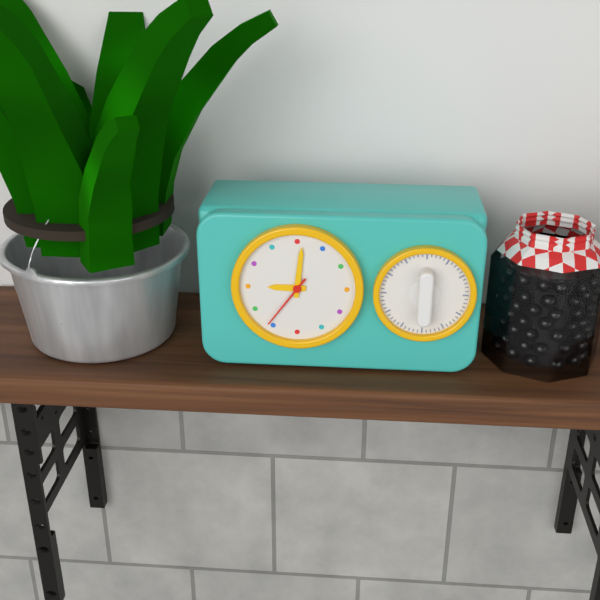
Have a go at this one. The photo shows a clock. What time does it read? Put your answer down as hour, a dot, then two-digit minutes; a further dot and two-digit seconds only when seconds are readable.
9.01.36
